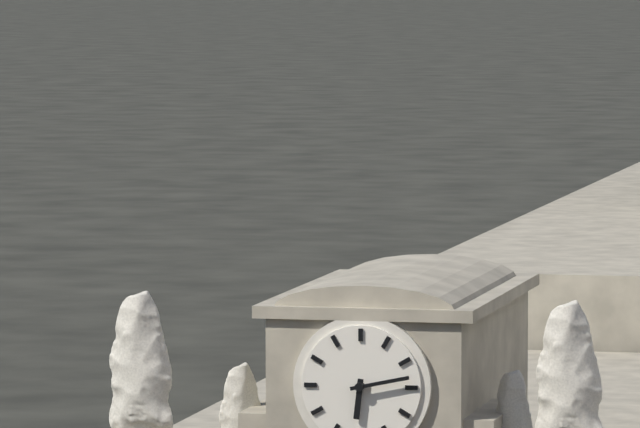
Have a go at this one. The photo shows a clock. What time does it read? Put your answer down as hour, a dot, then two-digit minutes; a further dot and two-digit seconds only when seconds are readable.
6.13
